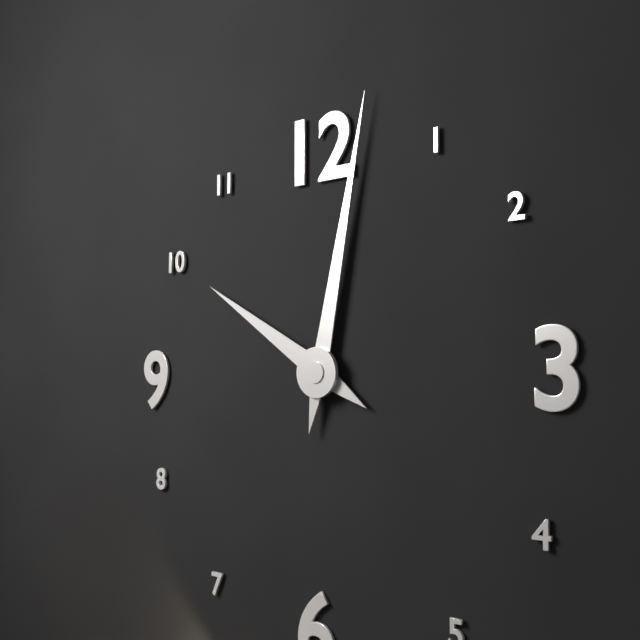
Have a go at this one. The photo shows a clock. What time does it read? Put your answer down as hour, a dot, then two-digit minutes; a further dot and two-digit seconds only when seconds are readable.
10.02
